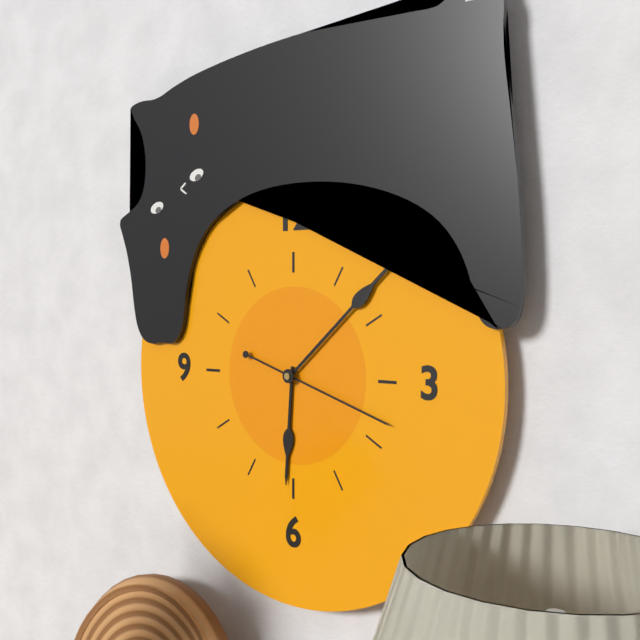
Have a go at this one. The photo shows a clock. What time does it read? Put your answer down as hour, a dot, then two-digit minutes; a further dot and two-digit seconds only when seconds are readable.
6.08.18
